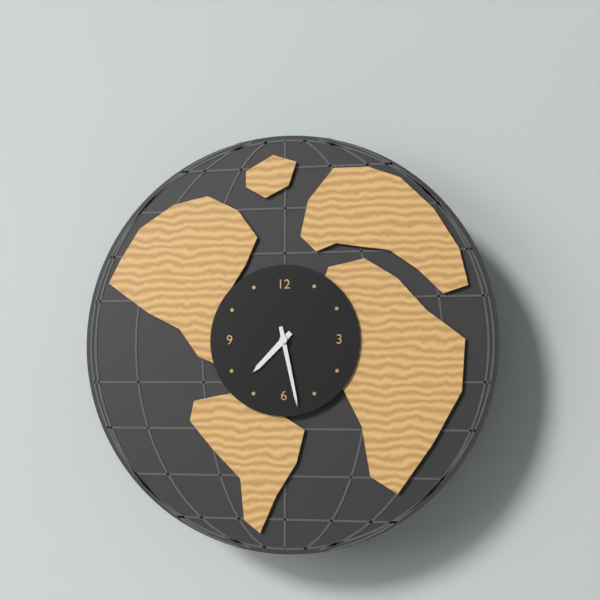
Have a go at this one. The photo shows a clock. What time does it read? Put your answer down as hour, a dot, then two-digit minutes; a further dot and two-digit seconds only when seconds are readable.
7.28
